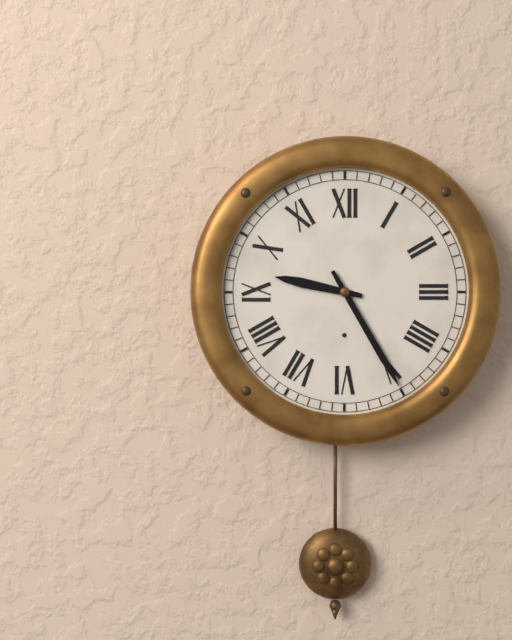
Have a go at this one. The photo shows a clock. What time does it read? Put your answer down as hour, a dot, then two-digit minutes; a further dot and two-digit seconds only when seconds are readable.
9.25
